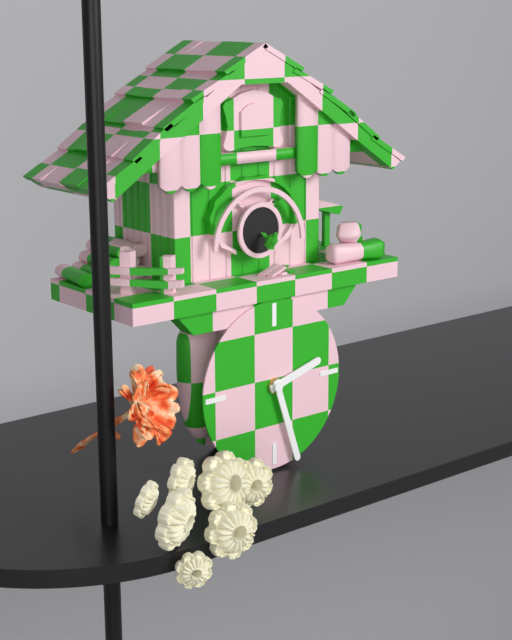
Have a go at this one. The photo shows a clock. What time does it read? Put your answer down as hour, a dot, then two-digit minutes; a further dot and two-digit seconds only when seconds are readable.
2.27
